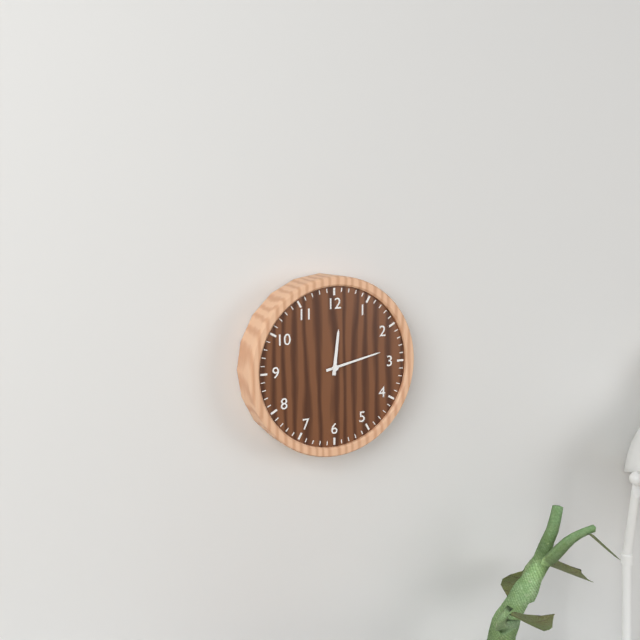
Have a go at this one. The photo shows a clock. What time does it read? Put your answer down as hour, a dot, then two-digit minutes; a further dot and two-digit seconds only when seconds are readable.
12.13
